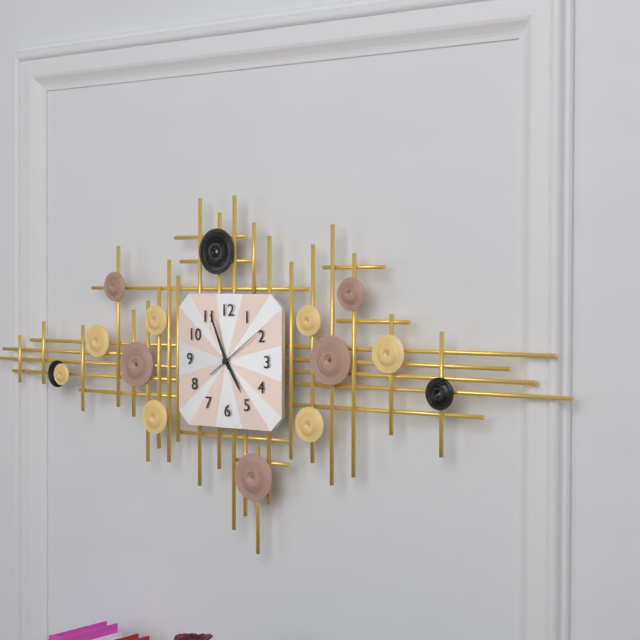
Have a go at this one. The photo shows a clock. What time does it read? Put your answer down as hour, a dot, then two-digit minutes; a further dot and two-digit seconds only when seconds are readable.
4.56.09
